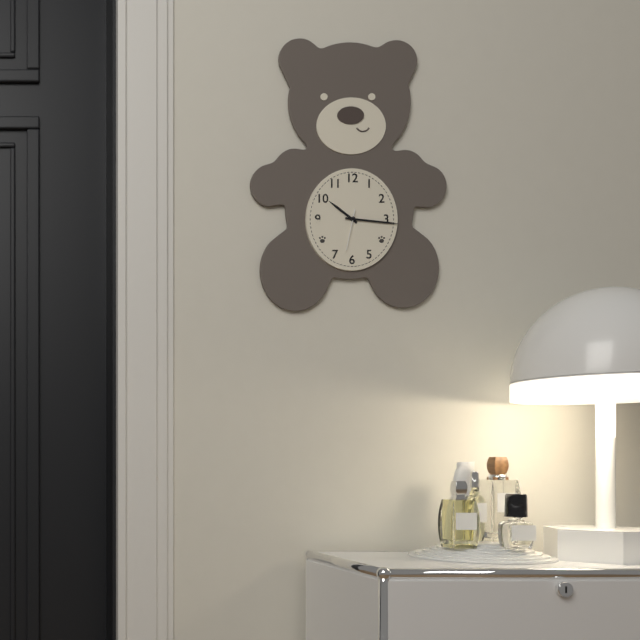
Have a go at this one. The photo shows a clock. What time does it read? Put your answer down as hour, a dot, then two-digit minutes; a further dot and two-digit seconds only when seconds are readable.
10.16
